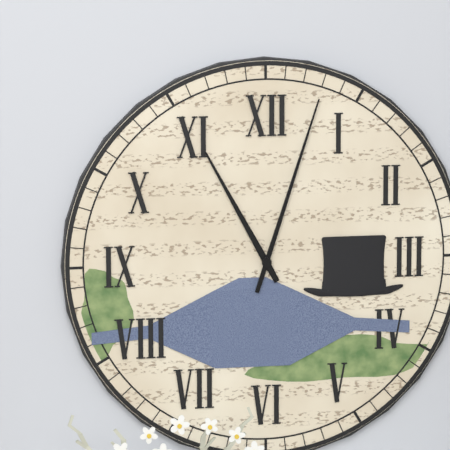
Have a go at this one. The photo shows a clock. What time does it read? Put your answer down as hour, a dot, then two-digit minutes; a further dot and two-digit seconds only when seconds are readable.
11.03
